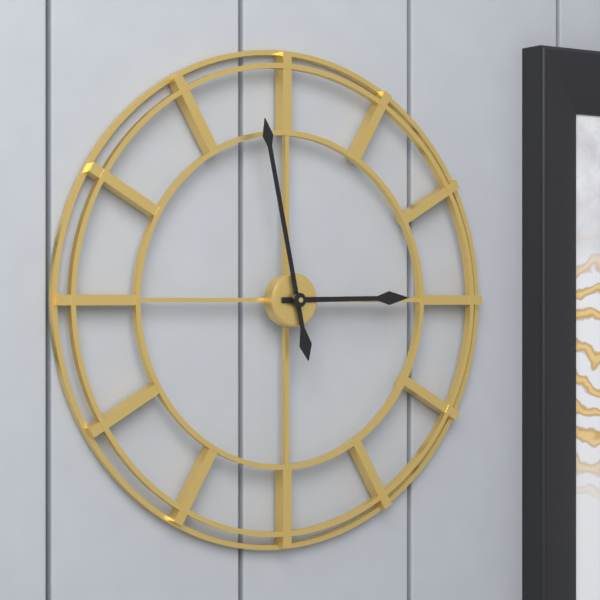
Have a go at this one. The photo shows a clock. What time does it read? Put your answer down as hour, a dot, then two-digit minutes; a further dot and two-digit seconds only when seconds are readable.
2.58
